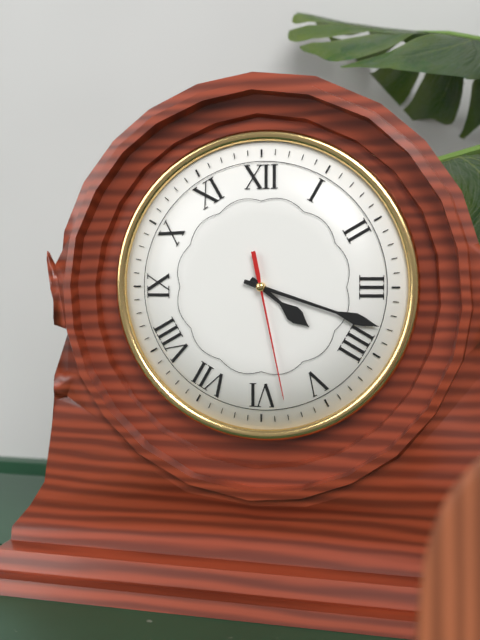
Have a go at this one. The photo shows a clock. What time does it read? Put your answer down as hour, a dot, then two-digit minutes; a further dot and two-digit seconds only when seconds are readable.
4.18.28
